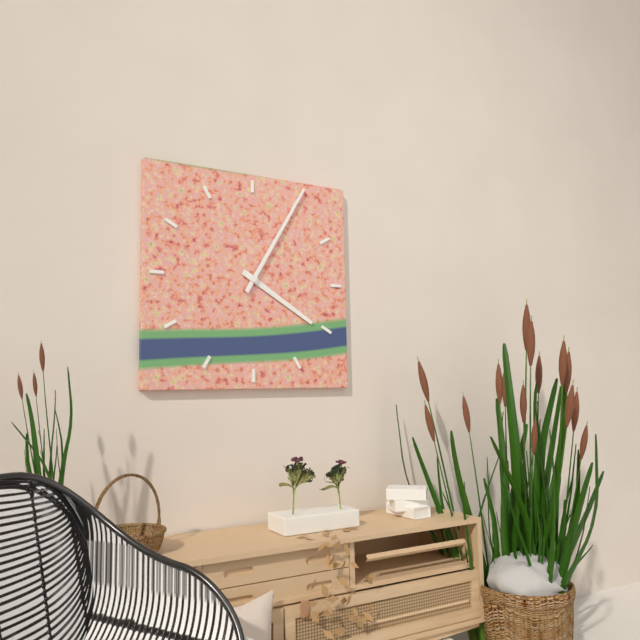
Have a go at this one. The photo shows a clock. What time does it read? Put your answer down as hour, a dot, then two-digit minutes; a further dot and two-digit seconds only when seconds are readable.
4.05
